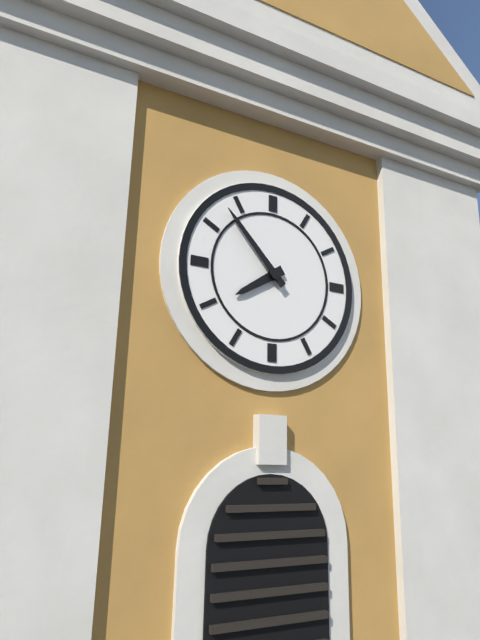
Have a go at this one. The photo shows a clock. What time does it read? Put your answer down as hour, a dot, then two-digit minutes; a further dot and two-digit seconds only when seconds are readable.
7.53
